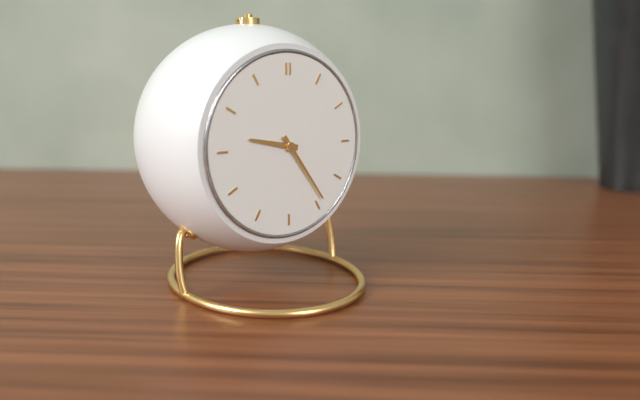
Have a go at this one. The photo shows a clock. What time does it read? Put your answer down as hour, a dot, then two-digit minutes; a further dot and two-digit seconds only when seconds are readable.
9.24
